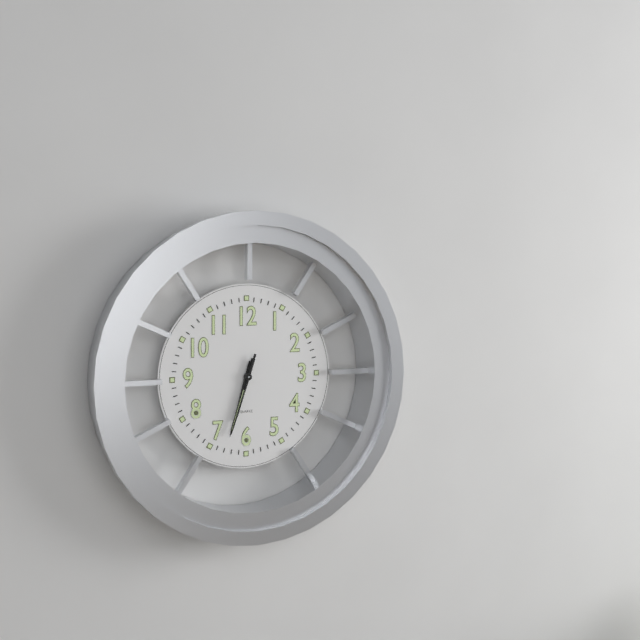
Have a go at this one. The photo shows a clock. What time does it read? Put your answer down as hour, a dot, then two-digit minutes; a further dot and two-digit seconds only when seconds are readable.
6.33.33
